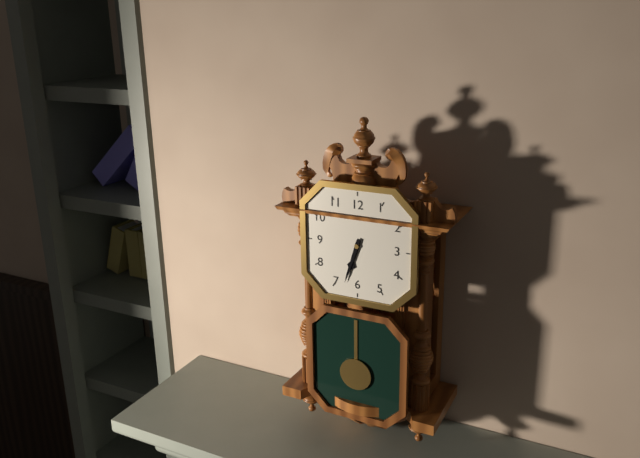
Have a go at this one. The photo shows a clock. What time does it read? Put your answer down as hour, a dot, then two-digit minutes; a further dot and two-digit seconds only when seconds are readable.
6.33
